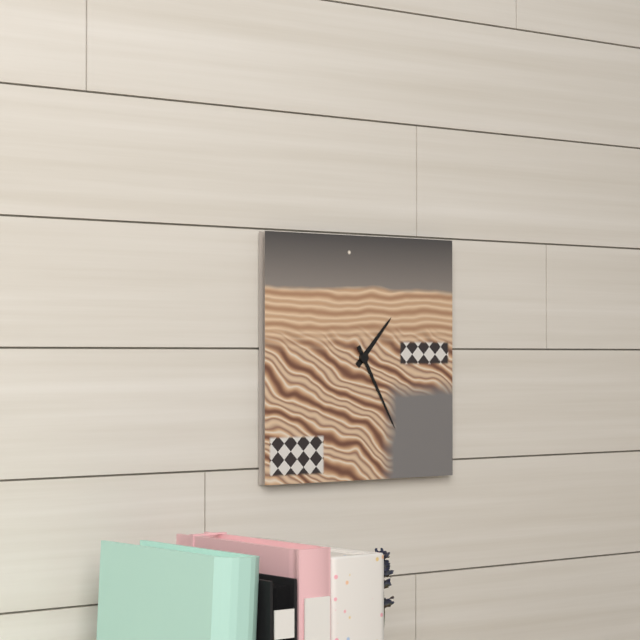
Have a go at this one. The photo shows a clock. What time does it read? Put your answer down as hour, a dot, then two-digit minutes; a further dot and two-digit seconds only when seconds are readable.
1.25
